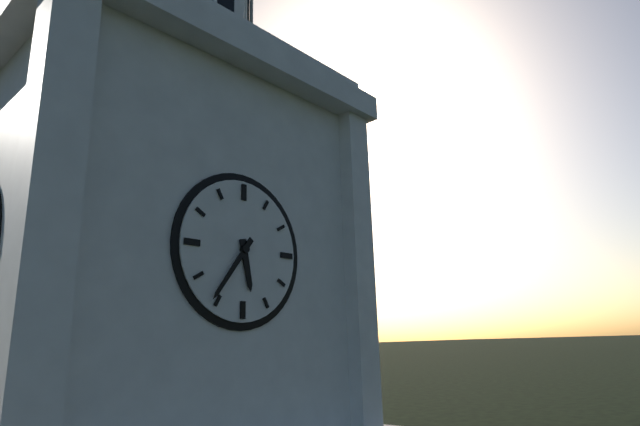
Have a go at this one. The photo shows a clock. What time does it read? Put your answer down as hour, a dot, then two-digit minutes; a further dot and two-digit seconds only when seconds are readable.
5.36
